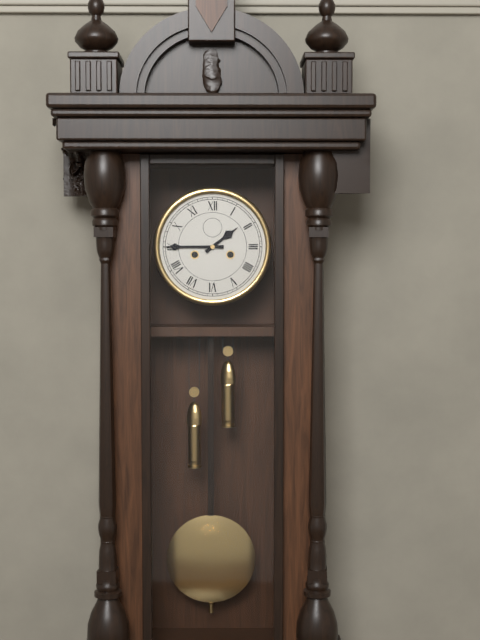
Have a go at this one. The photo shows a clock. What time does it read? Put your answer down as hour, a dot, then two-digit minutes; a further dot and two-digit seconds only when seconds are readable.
1.45
